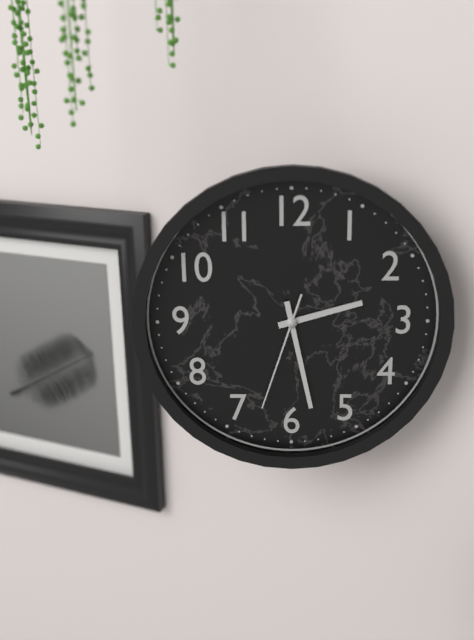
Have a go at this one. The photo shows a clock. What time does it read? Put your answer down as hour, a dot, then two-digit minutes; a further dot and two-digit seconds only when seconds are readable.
2.28.33
